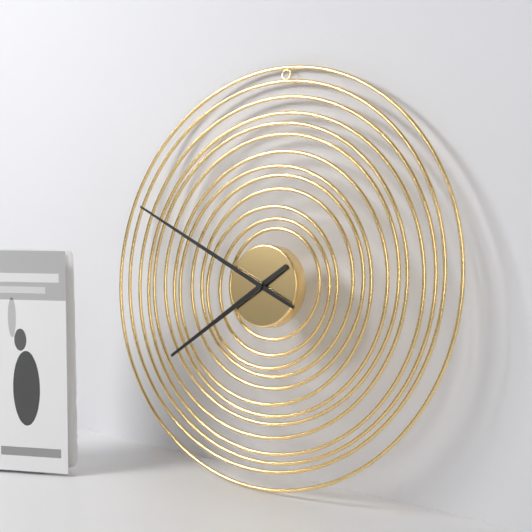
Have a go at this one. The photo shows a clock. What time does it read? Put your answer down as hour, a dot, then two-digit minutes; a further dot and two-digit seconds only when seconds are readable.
7.49
